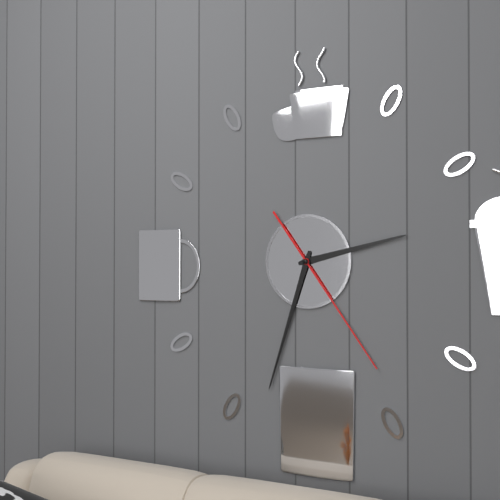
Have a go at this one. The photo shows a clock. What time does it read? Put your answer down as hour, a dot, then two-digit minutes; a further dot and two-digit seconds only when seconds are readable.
2.33.24
